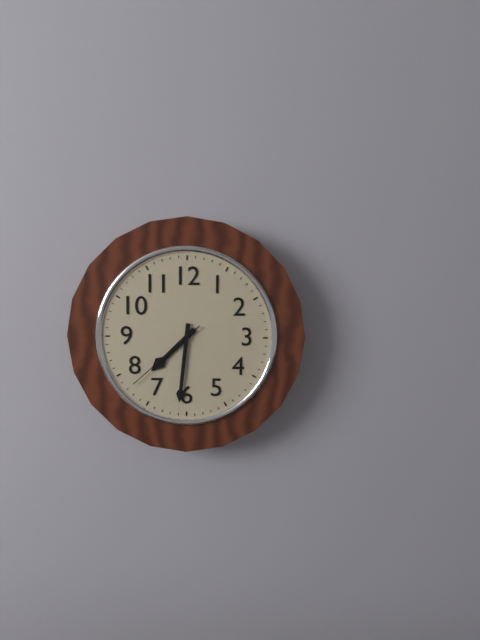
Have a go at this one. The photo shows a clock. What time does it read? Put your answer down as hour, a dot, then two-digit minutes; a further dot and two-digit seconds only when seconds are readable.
7.31.38
